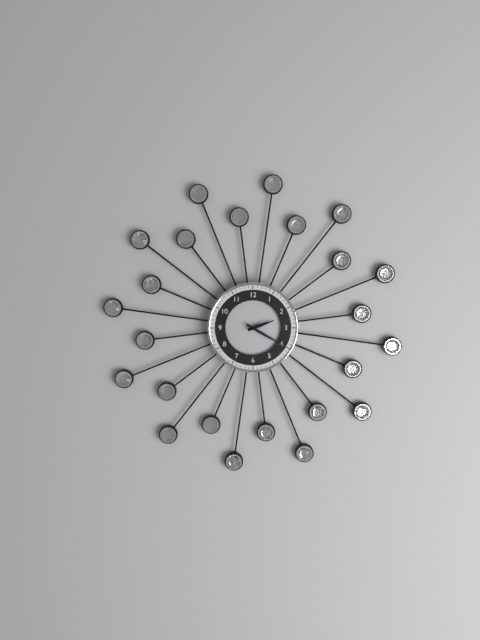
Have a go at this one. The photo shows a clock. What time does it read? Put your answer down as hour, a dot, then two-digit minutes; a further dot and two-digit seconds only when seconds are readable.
2.20
